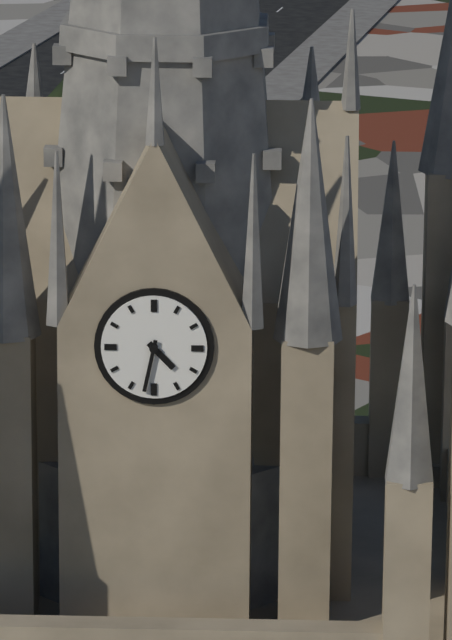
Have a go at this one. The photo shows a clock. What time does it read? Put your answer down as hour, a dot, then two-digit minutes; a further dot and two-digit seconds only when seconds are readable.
4.32
